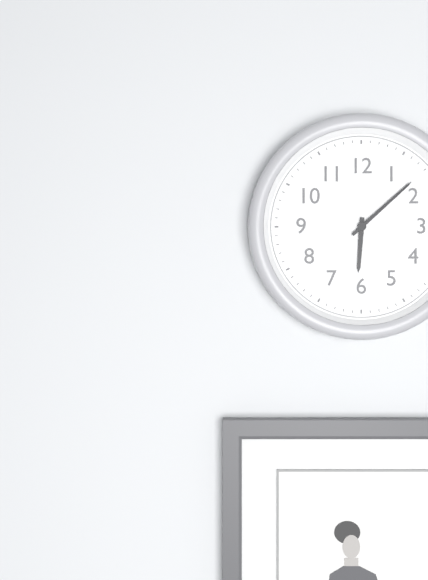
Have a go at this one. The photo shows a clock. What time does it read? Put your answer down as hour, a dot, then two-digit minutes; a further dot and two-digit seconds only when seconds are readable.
6.08
